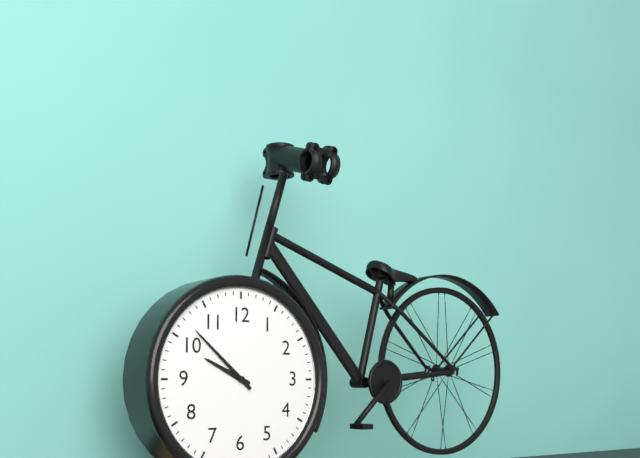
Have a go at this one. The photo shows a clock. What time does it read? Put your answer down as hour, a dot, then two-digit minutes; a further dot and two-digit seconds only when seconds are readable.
9.52
